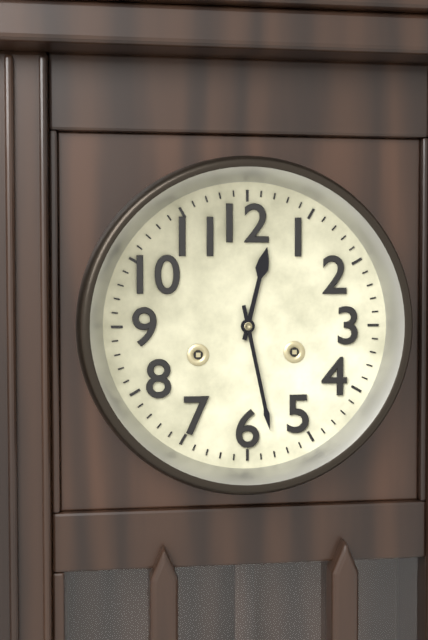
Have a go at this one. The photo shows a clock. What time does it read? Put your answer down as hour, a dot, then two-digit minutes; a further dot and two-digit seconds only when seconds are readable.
12.28
